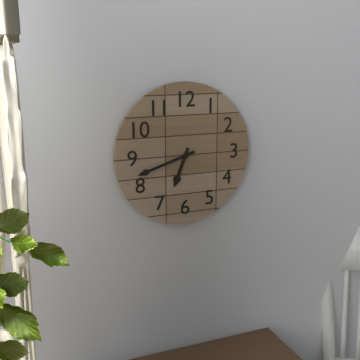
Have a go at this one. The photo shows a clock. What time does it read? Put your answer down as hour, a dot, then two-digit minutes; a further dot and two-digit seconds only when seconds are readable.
6.42
